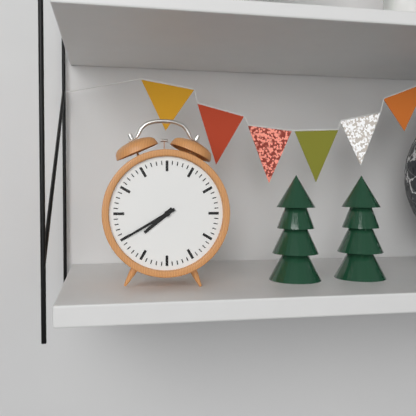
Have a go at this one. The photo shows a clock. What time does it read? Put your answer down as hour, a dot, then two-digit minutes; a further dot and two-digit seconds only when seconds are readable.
7.40
